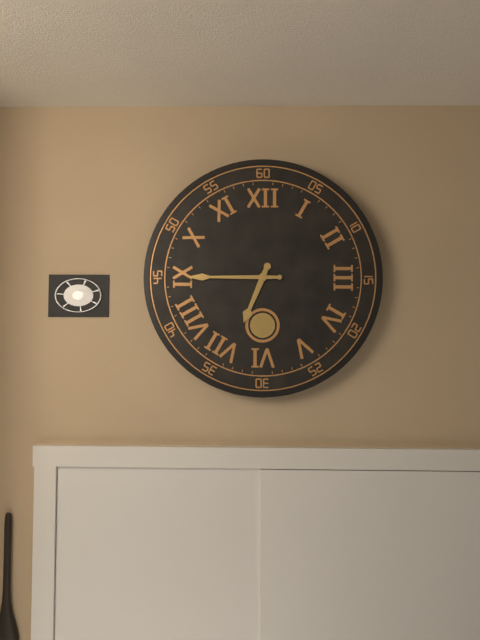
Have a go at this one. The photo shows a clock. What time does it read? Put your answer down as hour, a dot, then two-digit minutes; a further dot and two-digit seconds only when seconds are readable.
6.45
